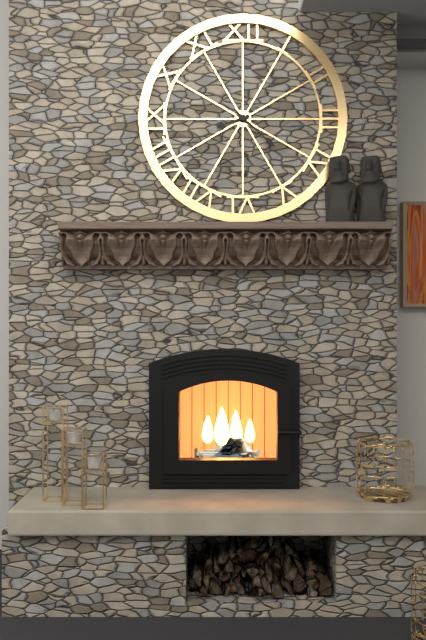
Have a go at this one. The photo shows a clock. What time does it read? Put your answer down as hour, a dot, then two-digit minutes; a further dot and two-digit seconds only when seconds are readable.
8.22
